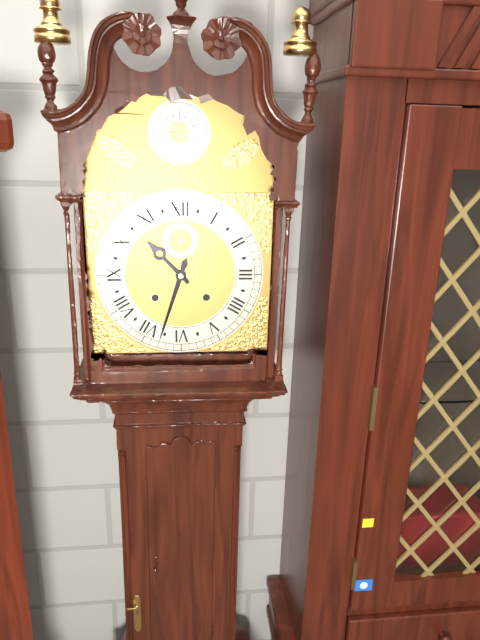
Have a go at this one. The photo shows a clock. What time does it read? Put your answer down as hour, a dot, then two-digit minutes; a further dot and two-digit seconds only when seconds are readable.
10.33
